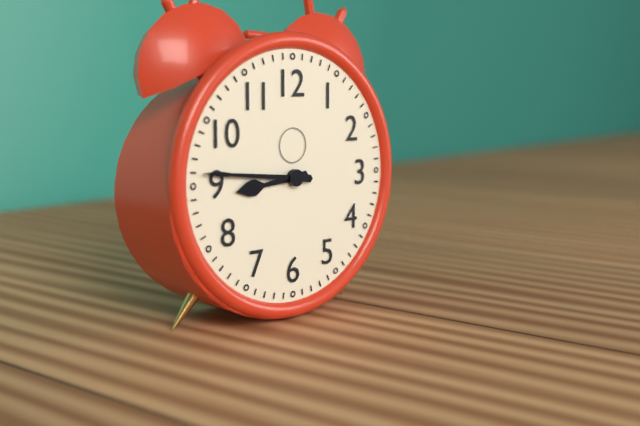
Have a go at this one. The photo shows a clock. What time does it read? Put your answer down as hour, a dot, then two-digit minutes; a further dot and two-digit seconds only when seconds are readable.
8.46
